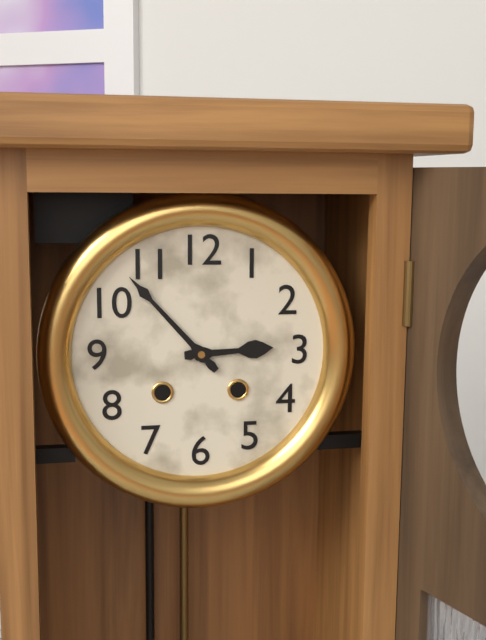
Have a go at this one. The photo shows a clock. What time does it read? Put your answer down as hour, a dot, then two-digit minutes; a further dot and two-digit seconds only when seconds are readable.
2.53
